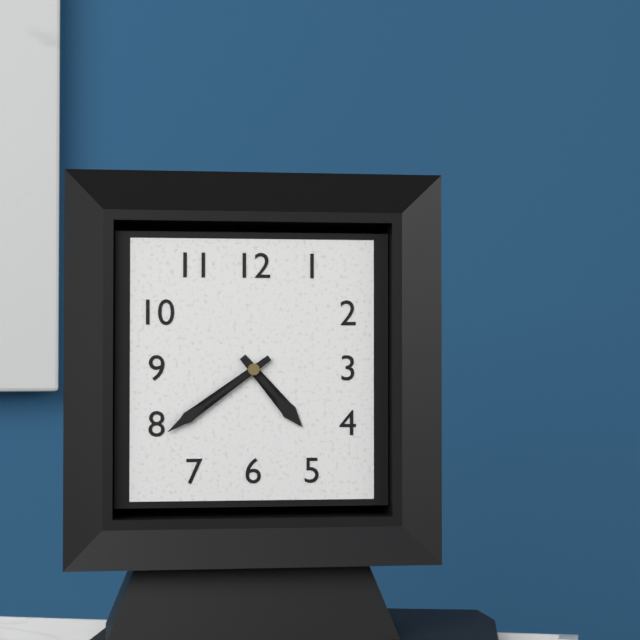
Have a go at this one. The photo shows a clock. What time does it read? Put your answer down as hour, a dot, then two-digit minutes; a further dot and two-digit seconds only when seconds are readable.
4.39
